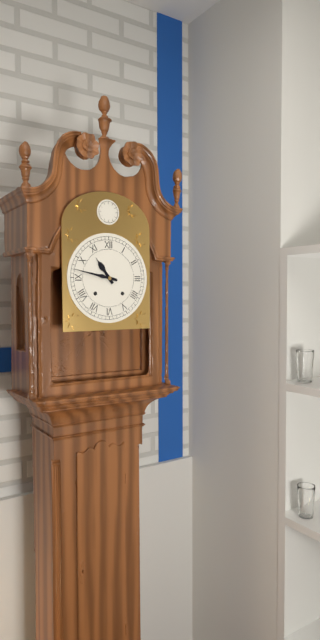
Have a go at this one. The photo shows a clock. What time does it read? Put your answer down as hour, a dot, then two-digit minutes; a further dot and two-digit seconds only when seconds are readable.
10.47
